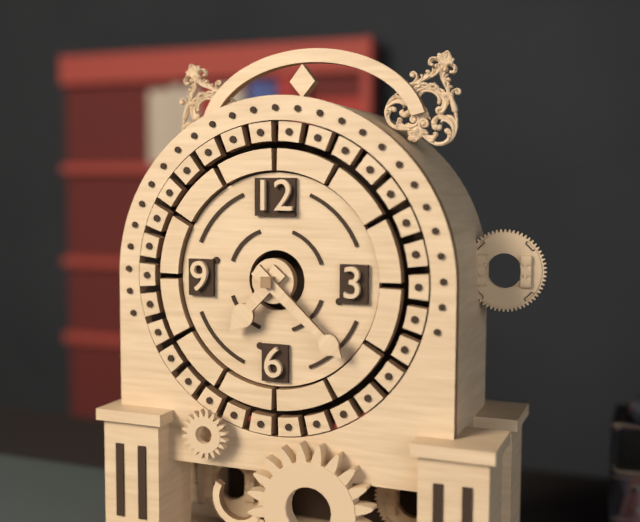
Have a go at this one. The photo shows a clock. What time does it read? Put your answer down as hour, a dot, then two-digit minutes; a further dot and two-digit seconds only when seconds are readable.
7.22
